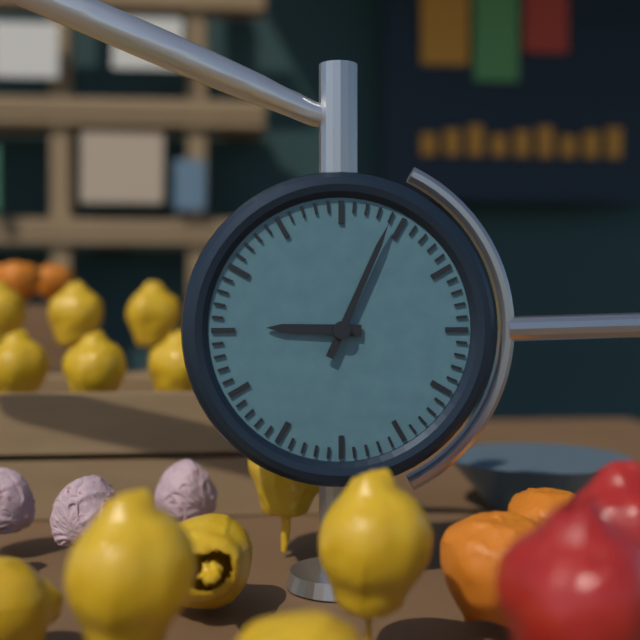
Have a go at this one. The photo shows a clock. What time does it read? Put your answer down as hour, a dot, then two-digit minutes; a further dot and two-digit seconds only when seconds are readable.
9.04
